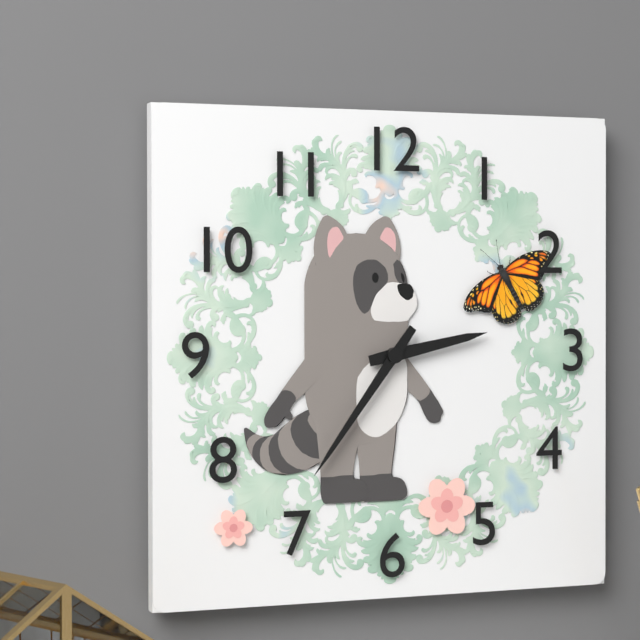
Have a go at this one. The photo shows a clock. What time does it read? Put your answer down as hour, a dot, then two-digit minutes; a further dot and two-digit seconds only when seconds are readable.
2.36
